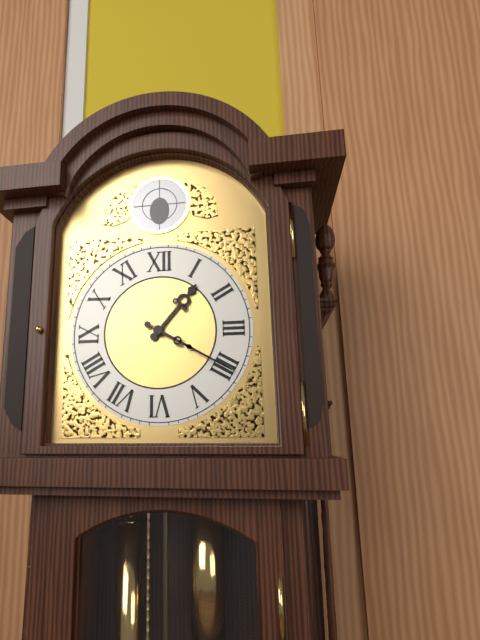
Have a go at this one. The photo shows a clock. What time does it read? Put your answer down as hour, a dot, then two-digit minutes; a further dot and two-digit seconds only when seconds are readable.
1.20
